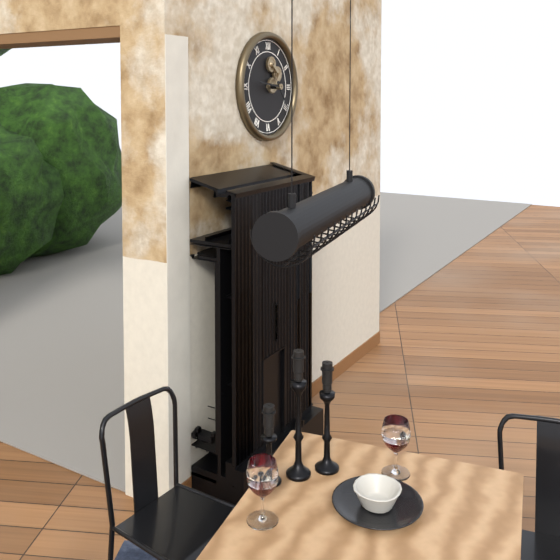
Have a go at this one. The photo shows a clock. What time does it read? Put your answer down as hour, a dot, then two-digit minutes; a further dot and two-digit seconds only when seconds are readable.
4.46
